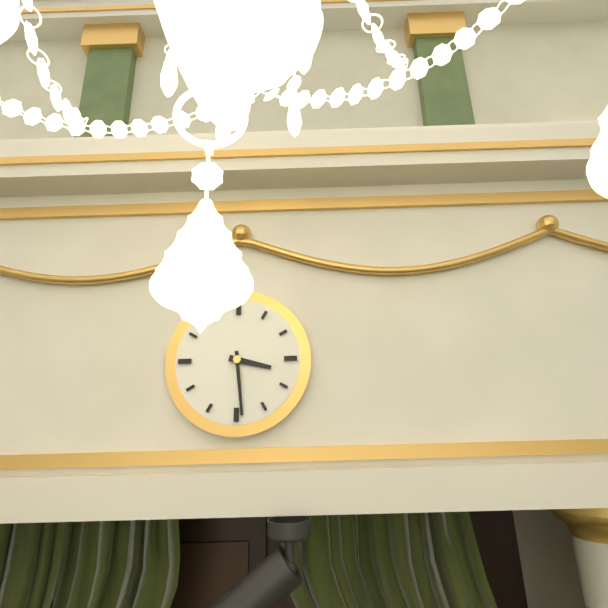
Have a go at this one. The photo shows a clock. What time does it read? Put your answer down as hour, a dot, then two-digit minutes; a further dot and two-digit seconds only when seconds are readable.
3.29
